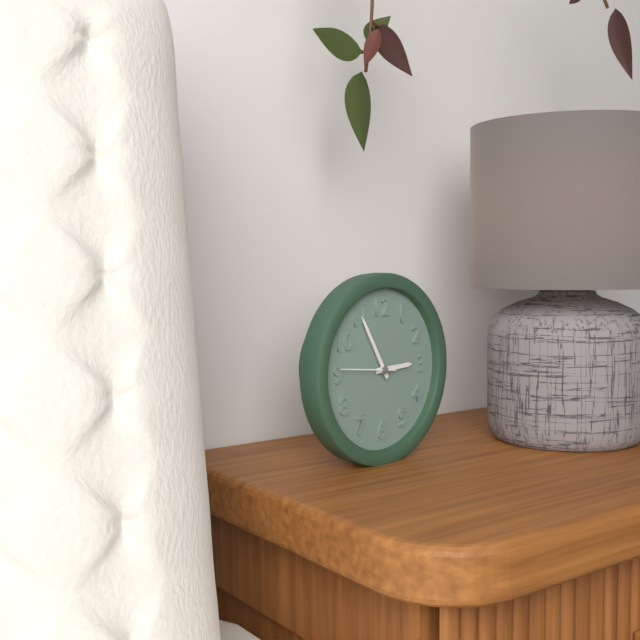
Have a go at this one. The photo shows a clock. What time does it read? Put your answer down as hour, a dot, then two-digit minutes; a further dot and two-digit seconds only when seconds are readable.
2.55.46
